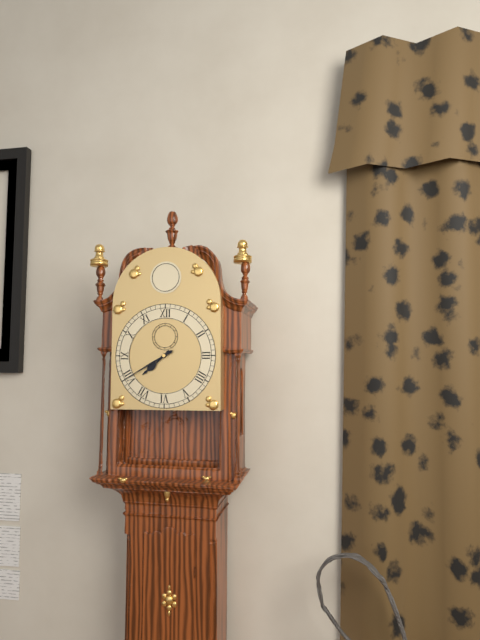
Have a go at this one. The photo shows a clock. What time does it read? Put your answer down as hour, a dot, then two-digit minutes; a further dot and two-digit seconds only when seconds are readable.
7.40
